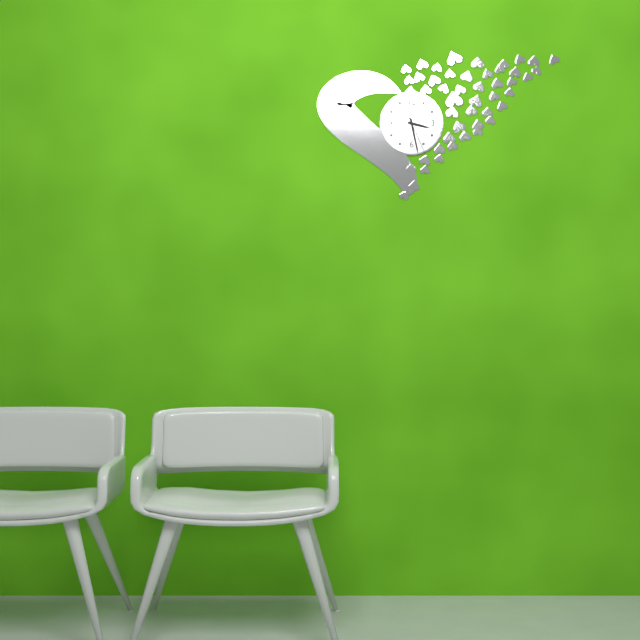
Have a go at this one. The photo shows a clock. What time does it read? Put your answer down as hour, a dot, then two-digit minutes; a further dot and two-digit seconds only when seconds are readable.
3.28
